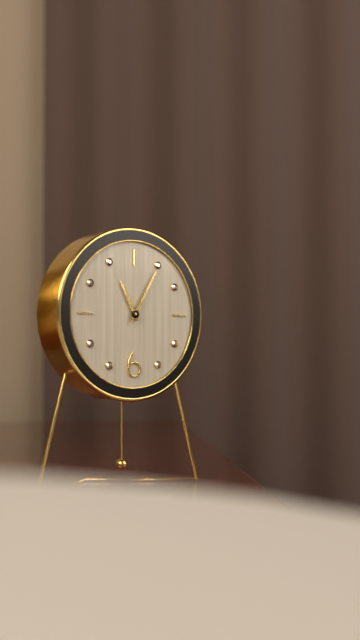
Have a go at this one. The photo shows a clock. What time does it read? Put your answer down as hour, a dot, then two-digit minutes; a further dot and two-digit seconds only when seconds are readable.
11.05
